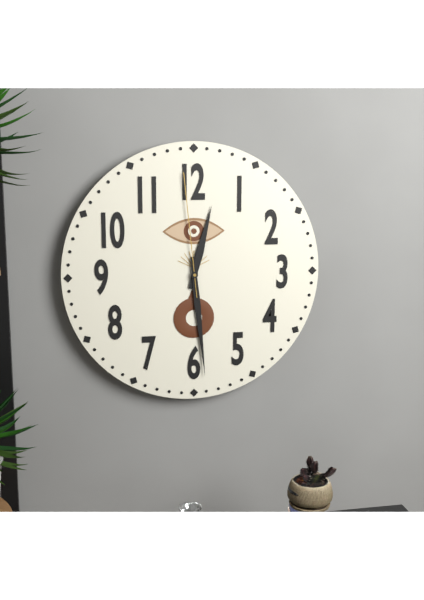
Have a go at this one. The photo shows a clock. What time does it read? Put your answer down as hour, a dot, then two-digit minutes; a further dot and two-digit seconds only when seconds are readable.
12.29.59
